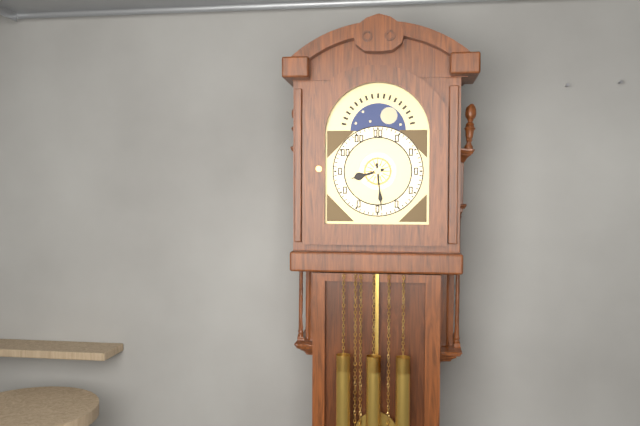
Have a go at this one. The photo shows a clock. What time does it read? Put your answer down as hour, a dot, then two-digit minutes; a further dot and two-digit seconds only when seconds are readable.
8.29
